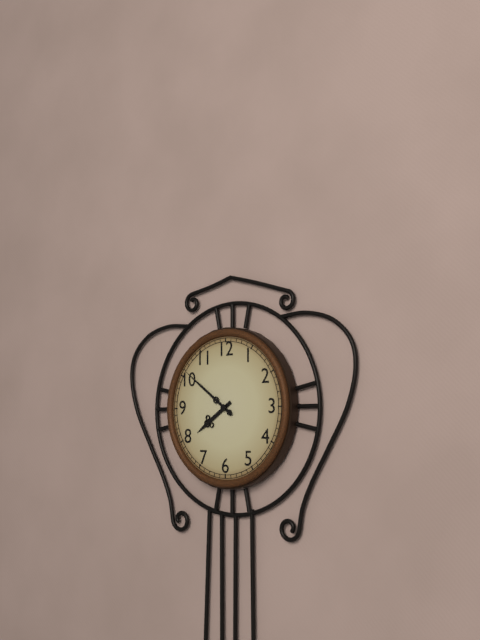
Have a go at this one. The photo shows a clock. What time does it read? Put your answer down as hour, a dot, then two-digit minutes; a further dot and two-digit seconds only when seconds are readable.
7.51
